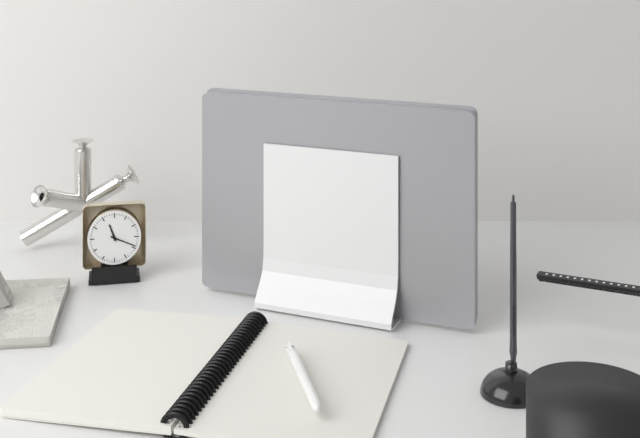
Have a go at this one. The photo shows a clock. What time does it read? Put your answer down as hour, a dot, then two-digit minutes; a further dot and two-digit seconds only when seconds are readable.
11.19
